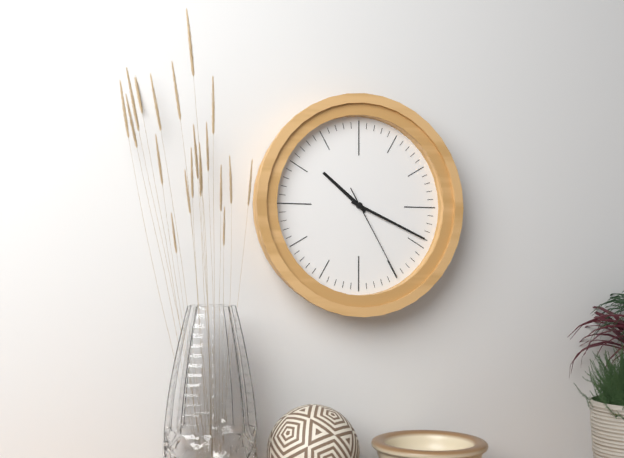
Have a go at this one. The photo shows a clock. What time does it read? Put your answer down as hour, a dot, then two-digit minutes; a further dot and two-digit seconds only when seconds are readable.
10.19.25
